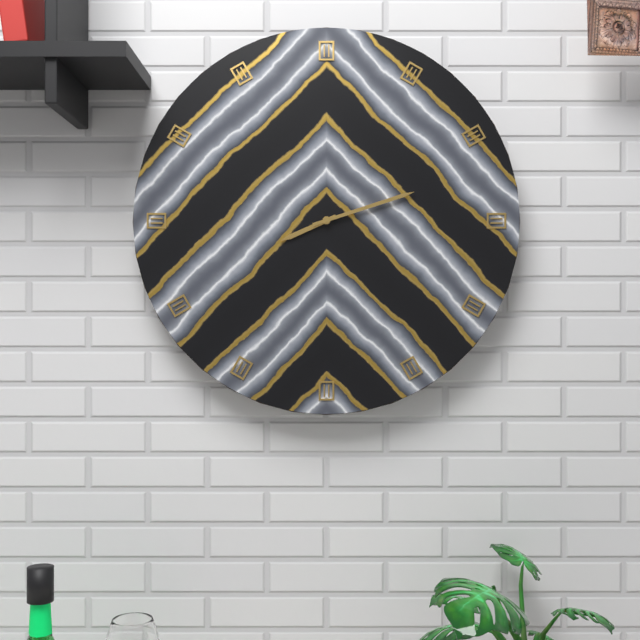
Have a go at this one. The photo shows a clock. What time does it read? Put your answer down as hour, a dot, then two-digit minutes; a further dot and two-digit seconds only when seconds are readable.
8.12
